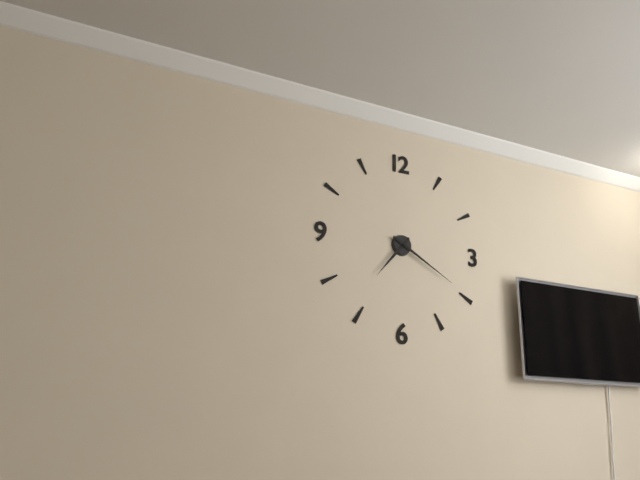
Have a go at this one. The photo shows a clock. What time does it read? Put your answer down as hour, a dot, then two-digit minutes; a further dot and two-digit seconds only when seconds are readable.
7.20
